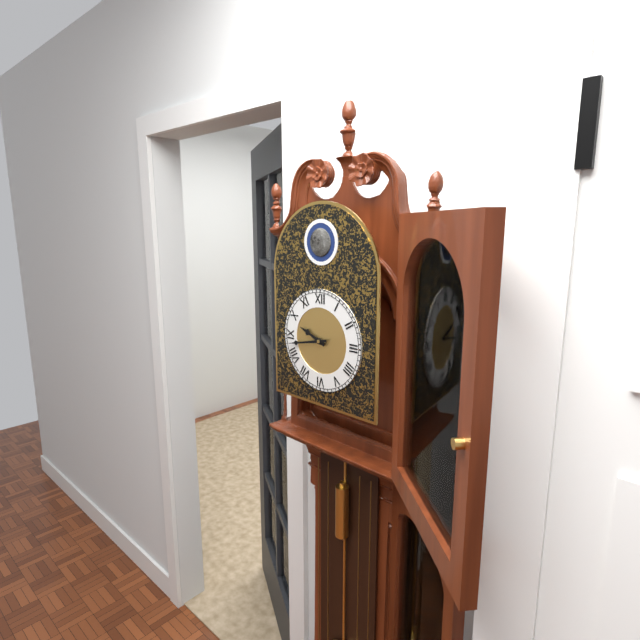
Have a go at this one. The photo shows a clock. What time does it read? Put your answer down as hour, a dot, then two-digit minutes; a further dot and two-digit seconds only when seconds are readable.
9.43
